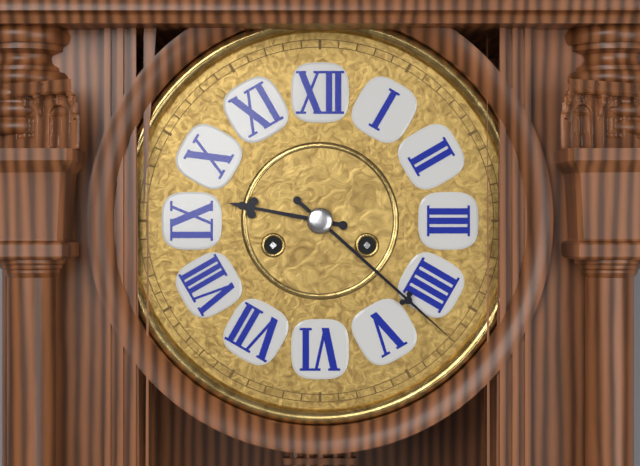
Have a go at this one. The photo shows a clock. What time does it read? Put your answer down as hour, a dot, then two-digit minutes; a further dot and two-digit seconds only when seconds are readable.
9.22
